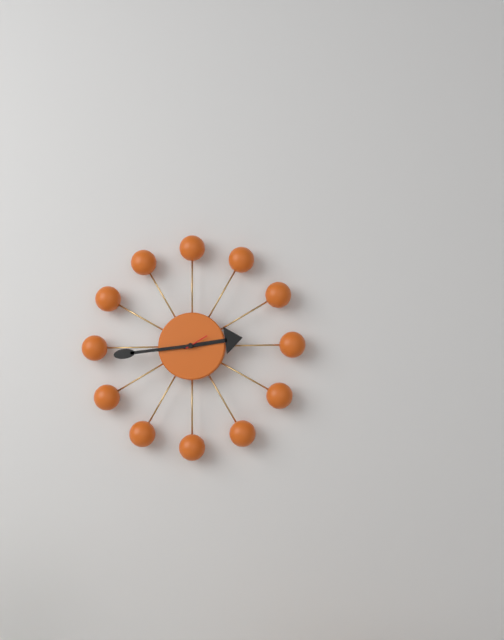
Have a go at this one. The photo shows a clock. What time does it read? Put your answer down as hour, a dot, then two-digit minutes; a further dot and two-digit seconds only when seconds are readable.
2.44
